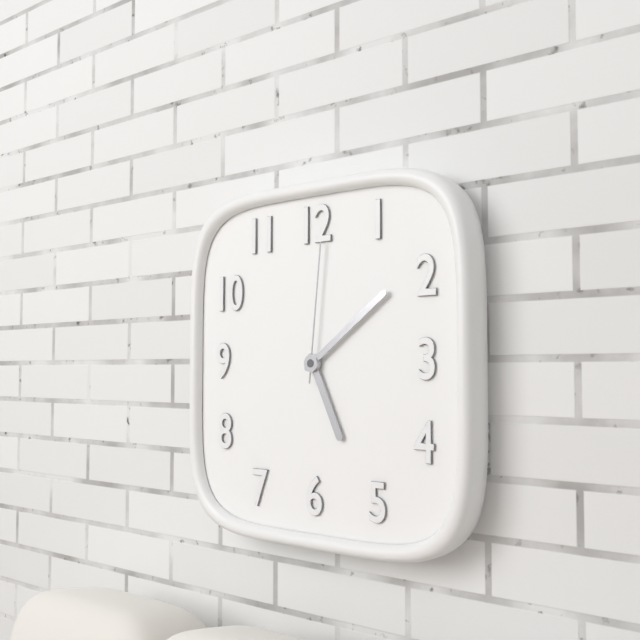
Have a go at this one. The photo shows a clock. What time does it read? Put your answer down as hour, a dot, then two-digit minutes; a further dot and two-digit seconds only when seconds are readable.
5.09.01
